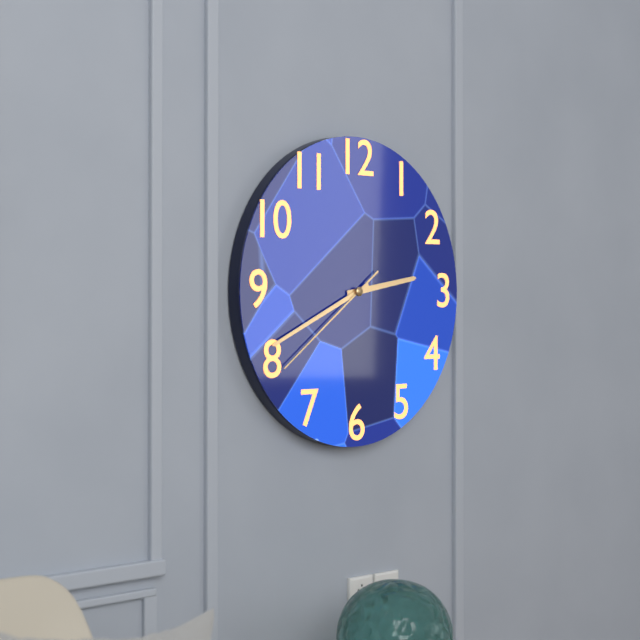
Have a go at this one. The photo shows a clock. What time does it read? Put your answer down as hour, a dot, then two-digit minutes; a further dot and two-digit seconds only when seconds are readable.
2.41.39
